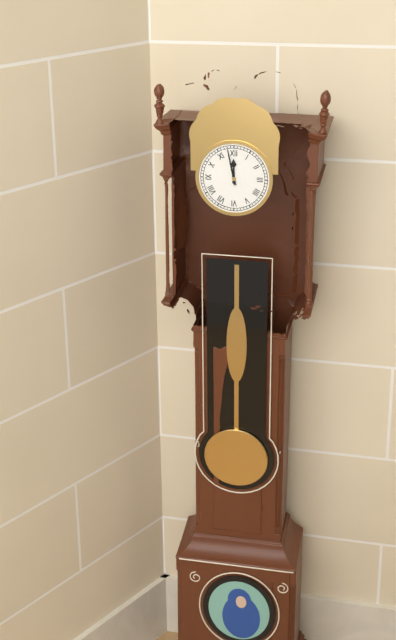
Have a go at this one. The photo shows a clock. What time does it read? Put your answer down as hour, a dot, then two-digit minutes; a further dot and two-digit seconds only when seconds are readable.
11.58
